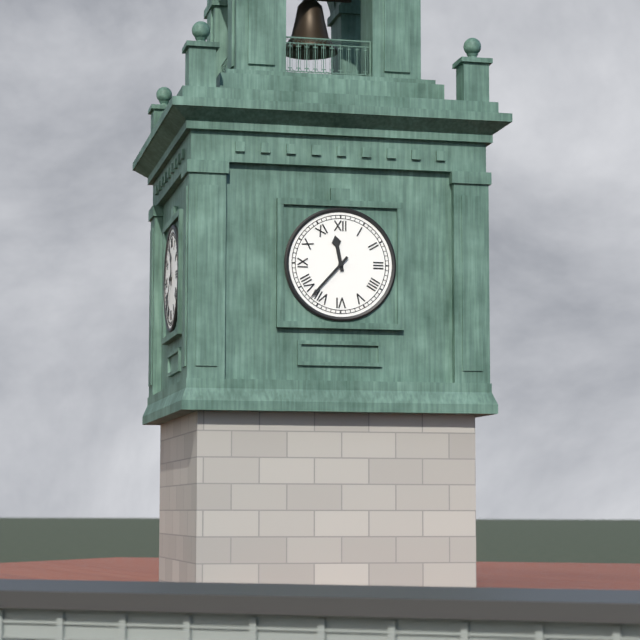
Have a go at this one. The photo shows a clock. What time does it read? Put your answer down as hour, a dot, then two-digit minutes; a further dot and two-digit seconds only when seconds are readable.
11.37
